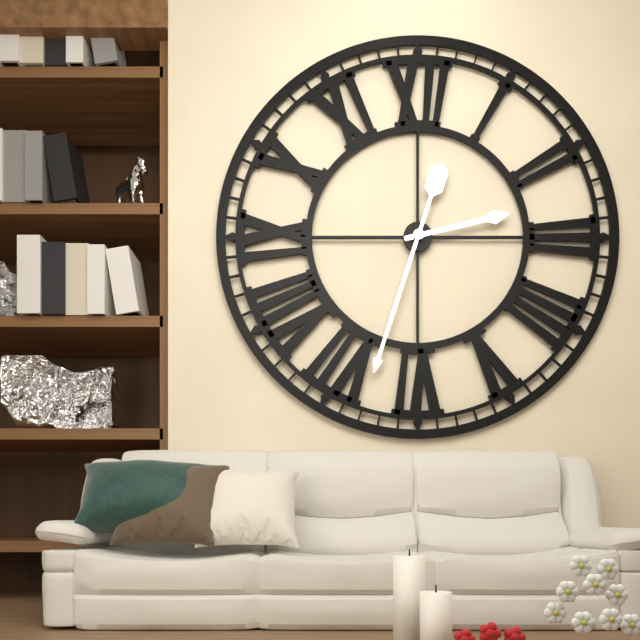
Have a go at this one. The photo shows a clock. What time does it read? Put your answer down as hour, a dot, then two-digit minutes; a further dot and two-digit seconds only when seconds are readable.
2.33
